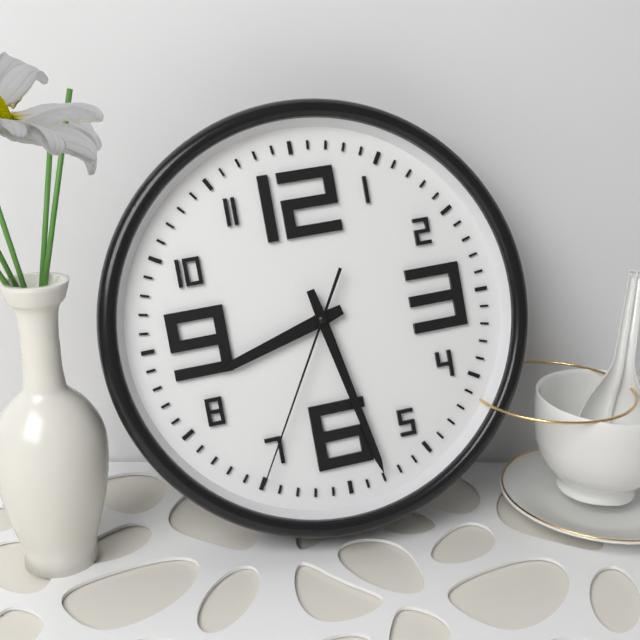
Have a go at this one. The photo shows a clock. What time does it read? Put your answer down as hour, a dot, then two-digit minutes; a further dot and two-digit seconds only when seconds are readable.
8.28.35
